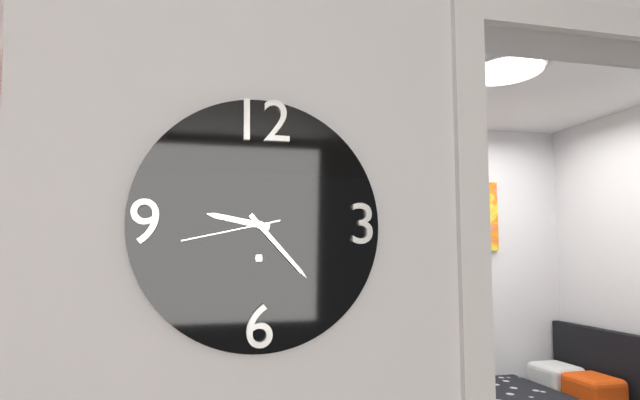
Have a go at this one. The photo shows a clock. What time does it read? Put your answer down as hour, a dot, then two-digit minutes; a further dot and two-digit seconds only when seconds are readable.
9.23.43
